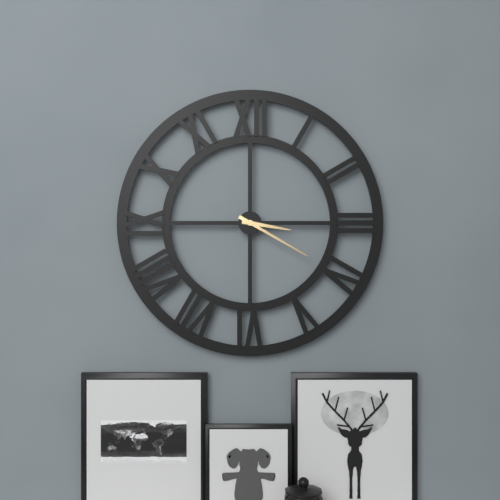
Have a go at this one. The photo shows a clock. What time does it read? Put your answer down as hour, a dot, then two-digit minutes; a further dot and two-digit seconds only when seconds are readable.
3.20
